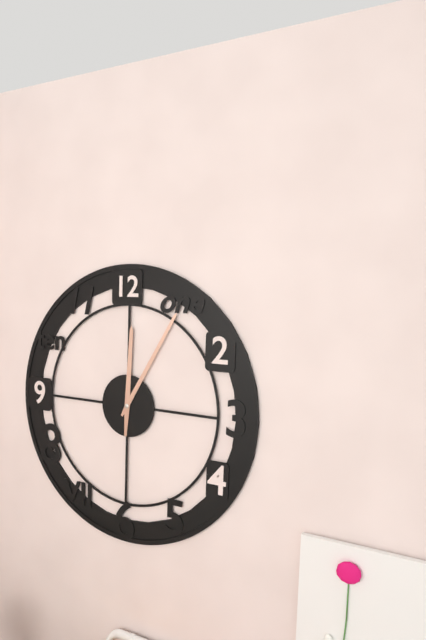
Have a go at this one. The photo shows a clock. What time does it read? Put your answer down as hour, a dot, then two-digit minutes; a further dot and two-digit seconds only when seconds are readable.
12.05
